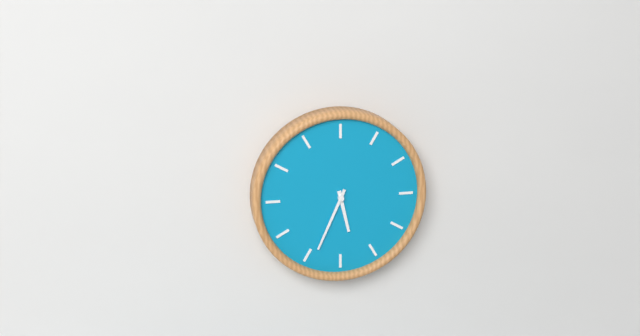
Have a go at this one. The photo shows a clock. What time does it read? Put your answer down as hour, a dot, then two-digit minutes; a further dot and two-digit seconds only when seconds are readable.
5.34
